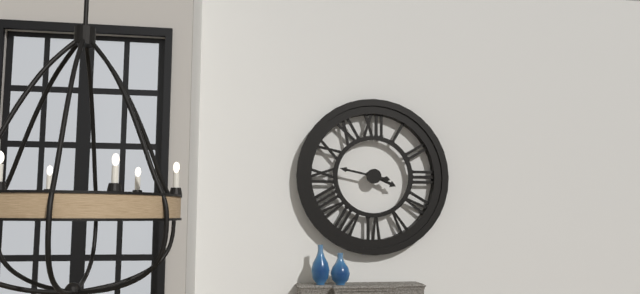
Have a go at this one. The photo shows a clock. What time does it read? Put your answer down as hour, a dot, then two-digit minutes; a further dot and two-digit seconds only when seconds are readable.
3.47
